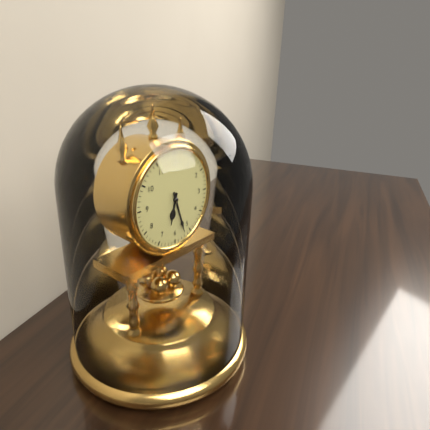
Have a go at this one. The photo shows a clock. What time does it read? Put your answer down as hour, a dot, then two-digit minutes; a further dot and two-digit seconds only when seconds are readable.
6.27
